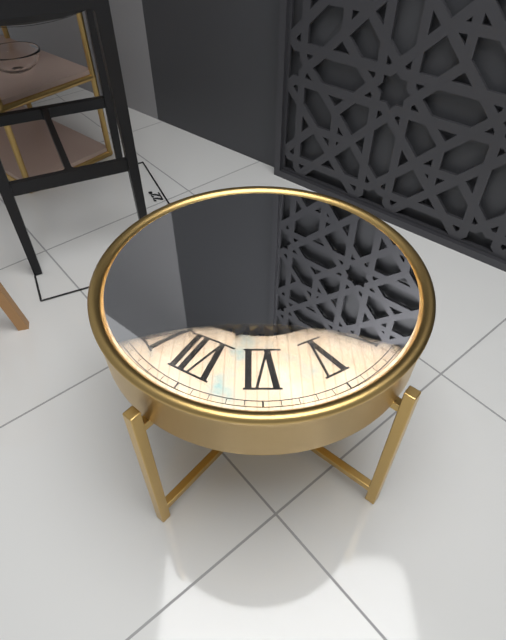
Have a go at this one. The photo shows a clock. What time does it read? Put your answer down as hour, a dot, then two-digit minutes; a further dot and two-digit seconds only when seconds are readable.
3.33
